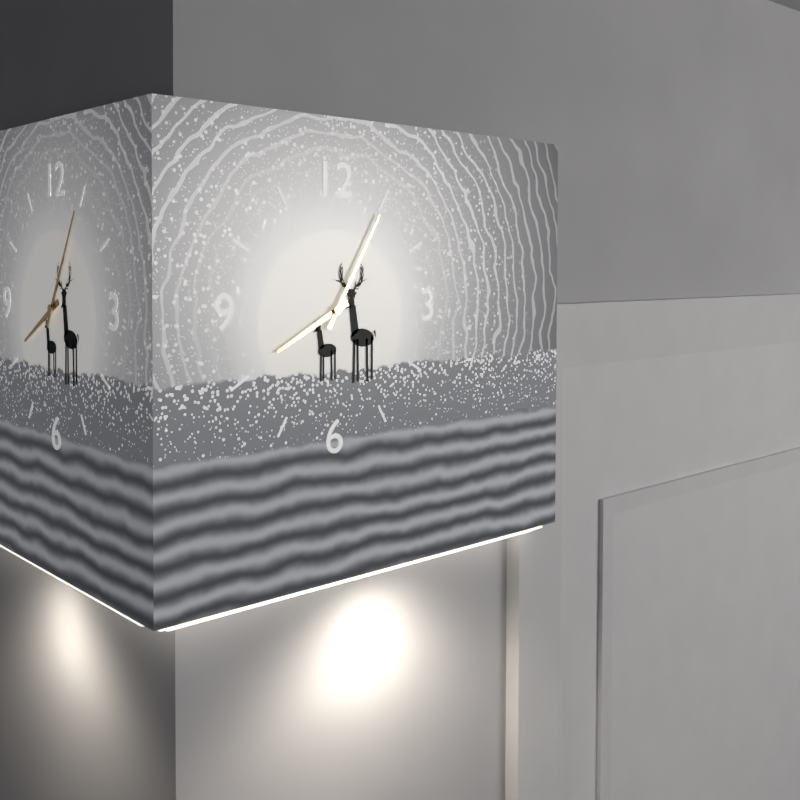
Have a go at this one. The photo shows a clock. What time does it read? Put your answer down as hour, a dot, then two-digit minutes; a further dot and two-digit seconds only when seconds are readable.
8.05
